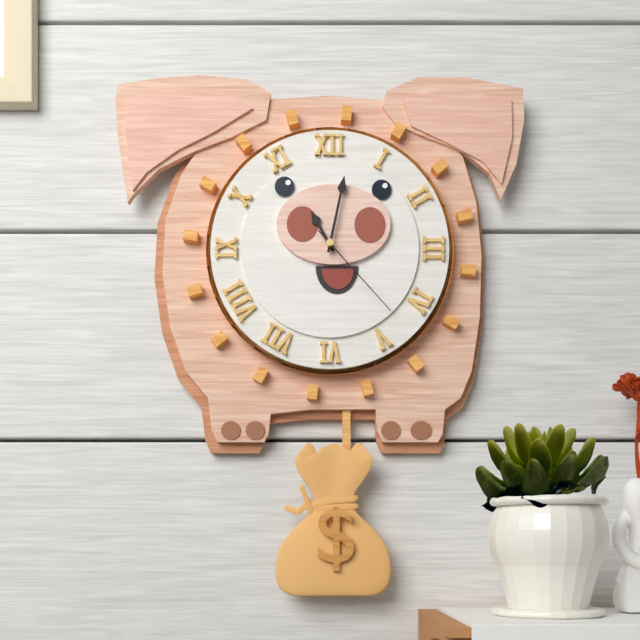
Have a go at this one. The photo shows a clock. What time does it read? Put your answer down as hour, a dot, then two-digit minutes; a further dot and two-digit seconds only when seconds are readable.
11.02.23
